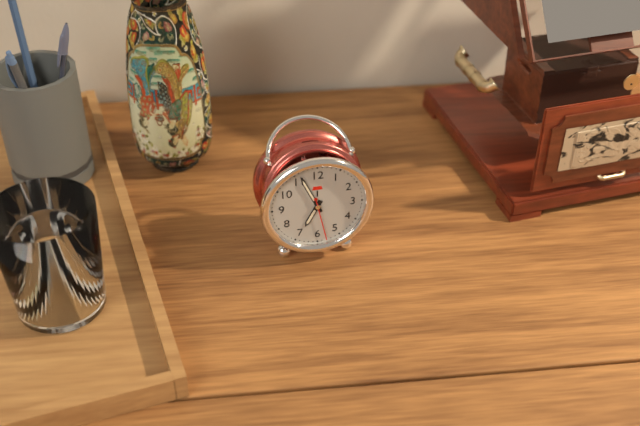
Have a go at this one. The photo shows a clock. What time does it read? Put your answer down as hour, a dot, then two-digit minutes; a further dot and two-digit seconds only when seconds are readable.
6.56
